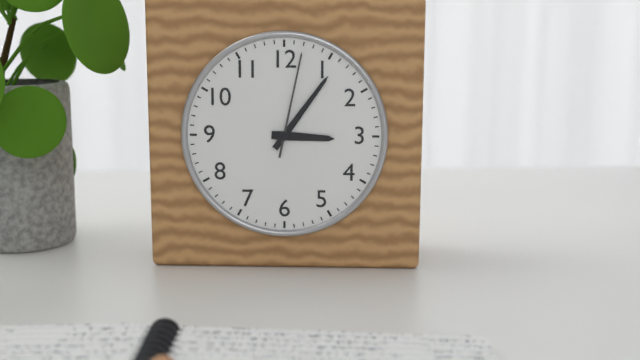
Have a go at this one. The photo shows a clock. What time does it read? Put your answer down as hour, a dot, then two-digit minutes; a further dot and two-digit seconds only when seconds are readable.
3.06.02
